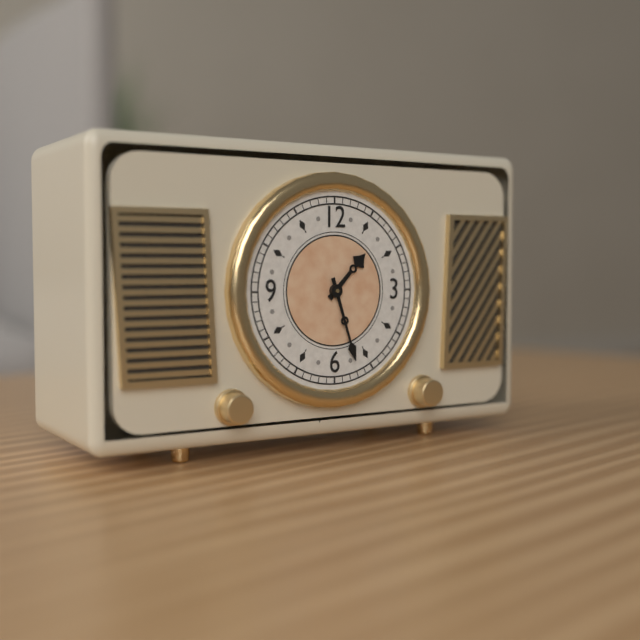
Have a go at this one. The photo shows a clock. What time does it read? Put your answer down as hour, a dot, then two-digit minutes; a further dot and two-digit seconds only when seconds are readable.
1.27
